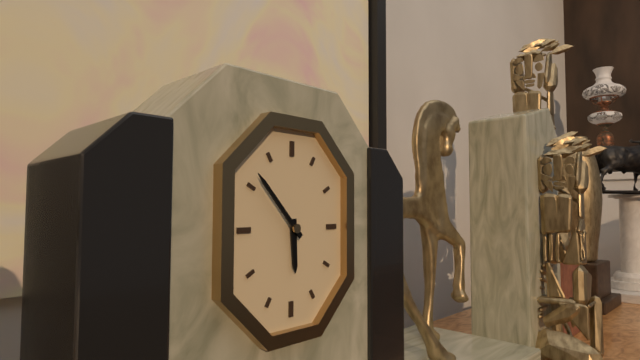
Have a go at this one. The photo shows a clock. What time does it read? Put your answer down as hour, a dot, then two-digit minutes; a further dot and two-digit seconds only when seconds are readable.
5.53
